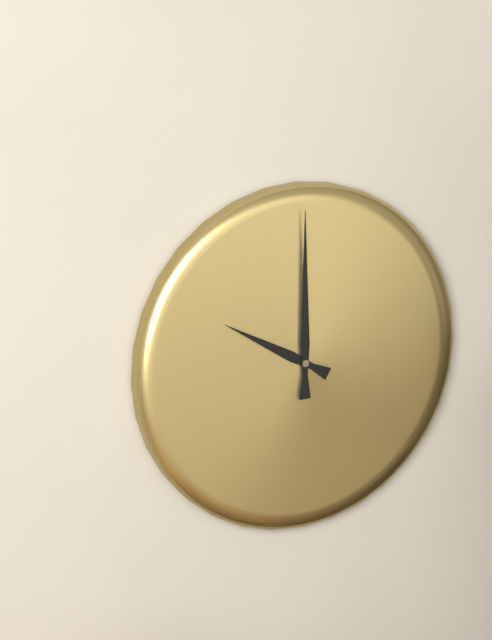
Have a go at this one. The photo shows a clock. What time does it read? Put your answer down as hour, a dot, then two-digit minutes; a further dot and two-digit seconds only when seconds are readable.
10.00
